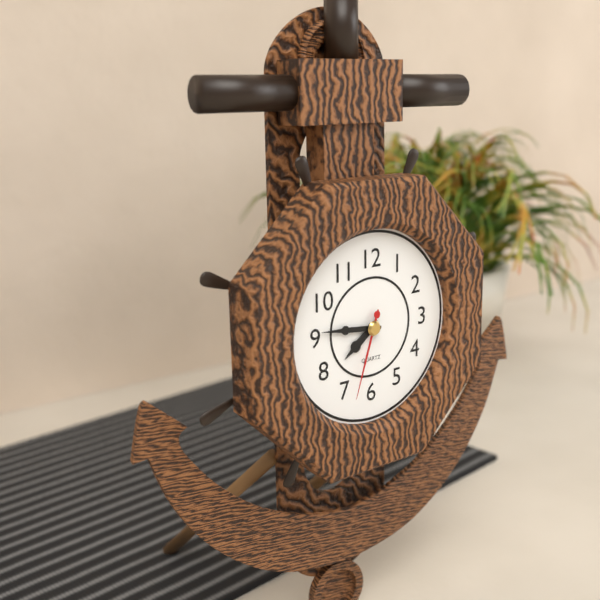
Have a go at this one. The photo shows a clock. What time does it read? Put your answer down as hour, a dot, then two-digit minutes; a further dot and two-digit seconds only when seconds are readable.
7.46.33
